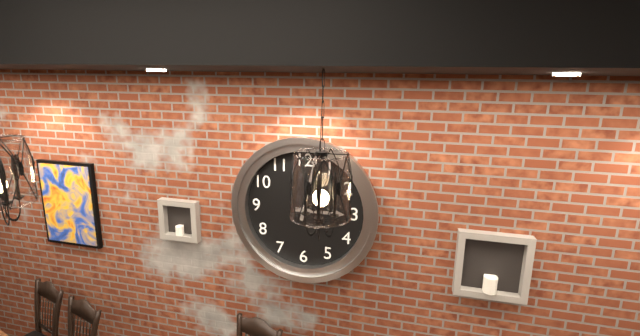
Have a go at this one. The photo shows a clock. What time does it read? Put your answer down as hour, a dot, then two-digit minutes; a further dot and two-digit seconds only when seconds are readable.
3.02
